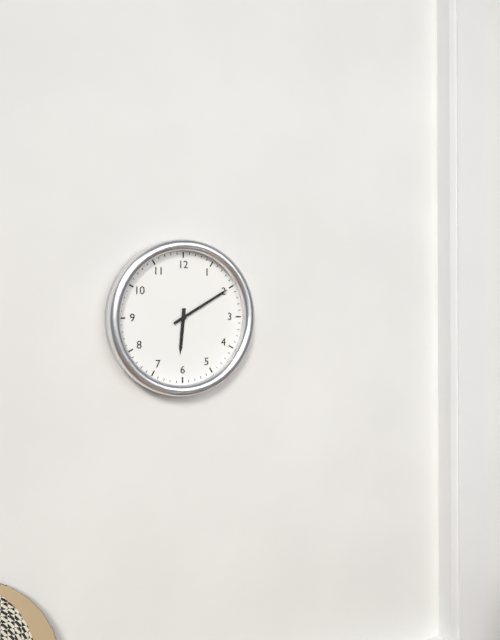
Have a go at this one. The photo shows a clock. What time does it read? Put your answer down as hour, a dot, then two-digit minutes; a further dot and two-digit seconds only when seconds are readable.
6.10
